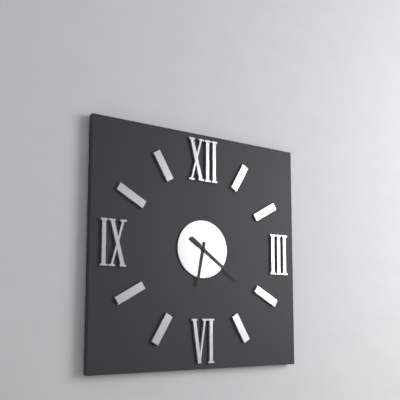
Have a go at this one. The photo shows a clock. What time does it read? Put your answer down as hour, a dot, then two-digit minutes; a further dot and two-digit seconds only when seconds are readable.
6.21
